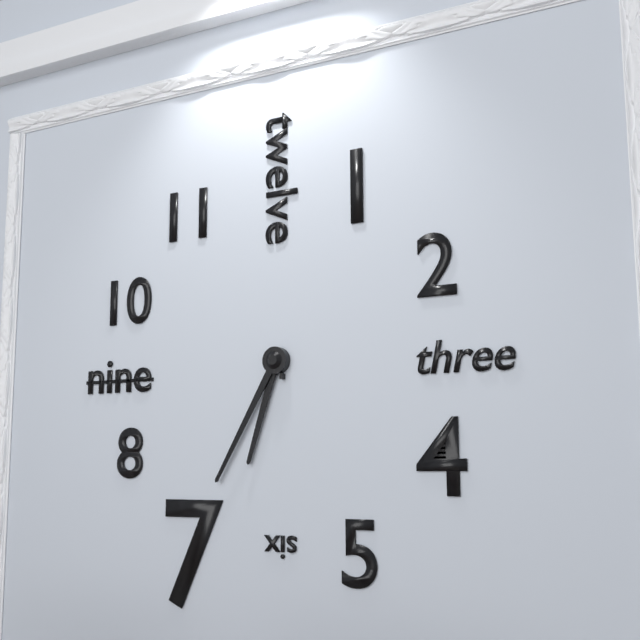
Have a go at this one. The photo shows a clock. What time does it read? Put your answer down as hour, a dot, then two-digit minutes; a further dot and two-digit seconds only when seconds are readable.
6.35
